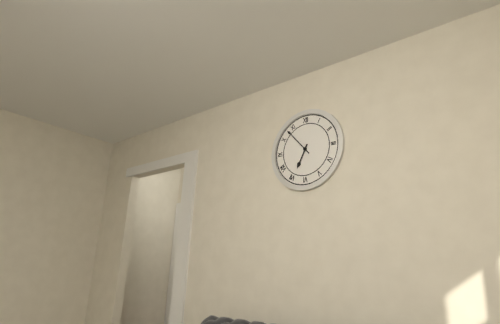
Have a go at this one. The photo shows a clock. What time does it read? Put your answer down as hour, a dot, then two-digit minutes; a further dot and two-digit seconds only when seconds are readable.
6.53
